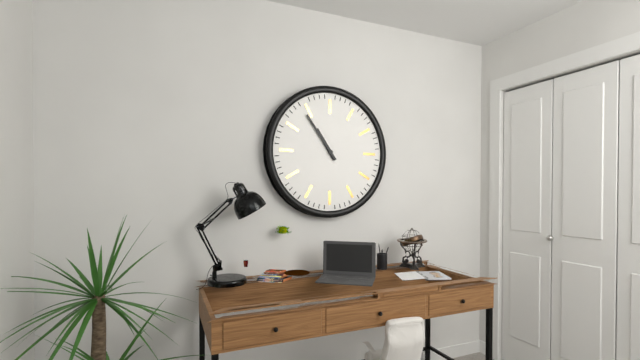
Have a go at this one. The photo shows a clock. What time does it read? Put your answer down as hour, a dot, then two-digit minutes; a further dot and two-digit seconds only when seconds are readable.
10.54
